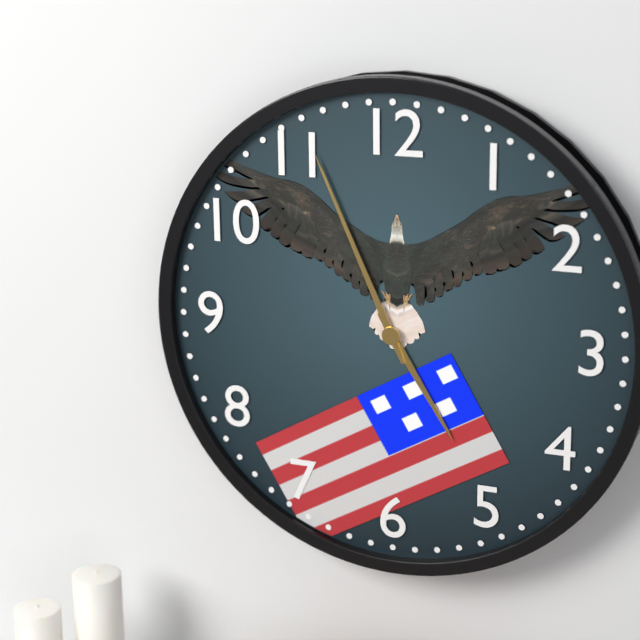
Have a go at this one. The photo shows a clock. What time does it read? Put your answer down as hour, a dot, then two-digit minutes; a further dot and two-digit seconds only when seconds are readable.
4.56
